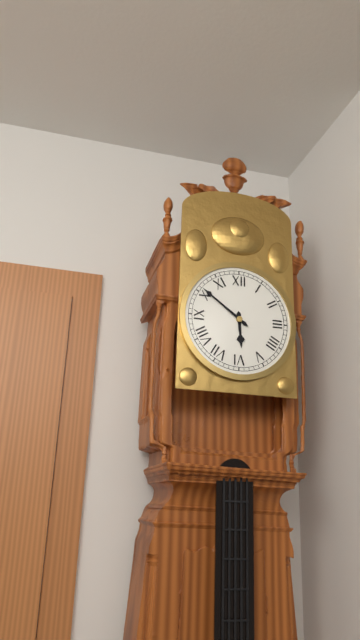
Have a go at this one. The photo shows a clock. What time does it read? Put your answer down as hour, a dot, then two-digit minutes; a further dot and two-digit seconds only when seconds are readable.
5.51
